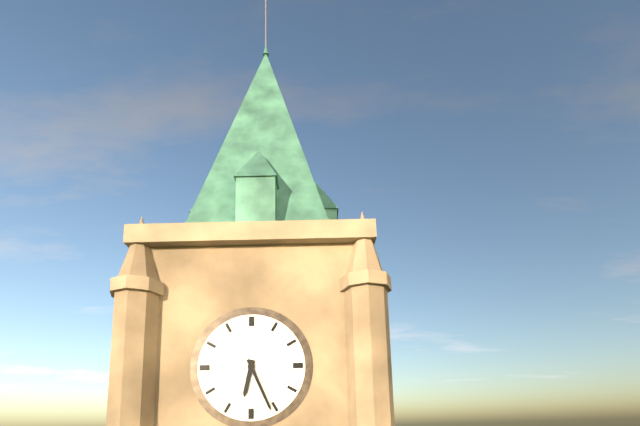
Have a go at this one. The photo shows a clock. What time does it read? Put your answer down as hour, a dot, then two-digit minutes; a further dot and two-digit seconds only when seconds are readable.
6.26
